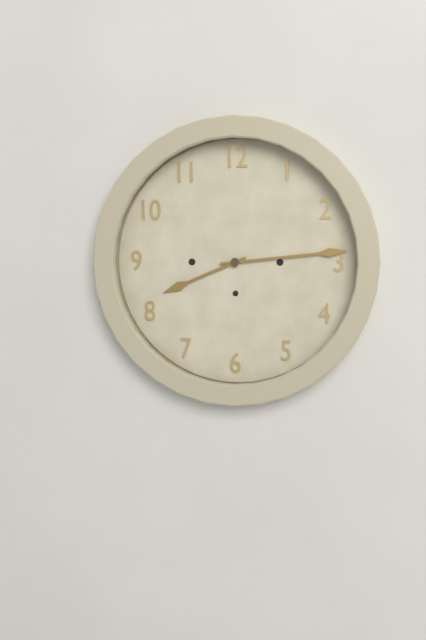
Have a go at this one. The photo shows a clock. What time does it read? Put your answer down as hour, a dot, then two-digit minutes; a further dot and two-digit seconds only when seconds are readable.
8.14
